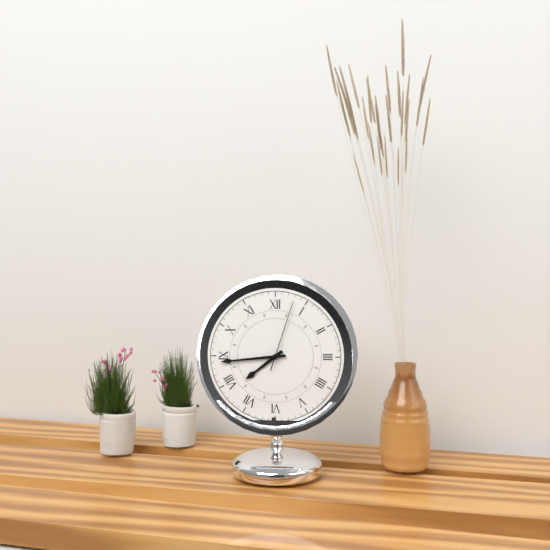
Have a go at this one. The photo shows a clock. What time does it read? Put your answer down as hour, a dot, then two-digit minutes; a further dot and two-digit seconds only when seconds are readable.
7.44.03
